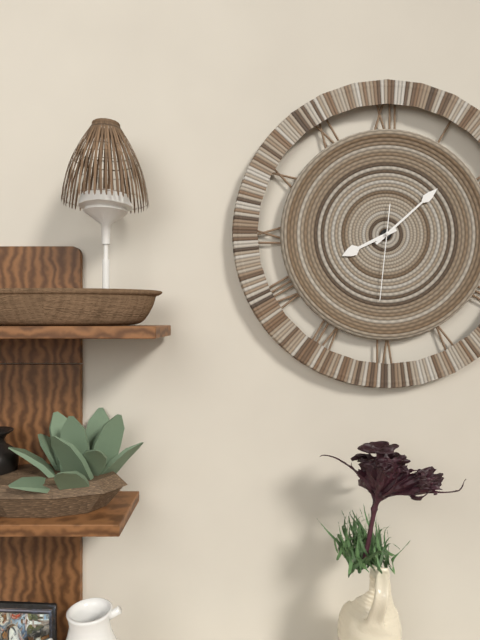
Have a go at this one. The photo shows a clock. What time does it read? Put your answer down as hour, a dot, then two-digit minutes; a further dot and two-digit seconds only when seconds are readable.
8.08.31
